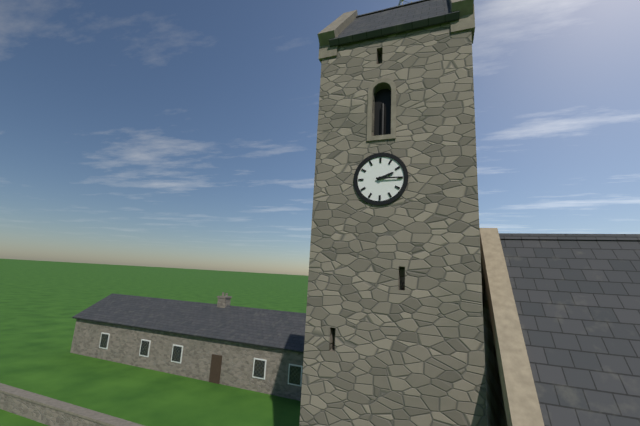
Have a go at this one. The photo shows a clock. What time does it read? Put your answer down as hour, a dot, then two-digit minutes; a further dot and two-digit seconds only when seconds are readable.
2.15
